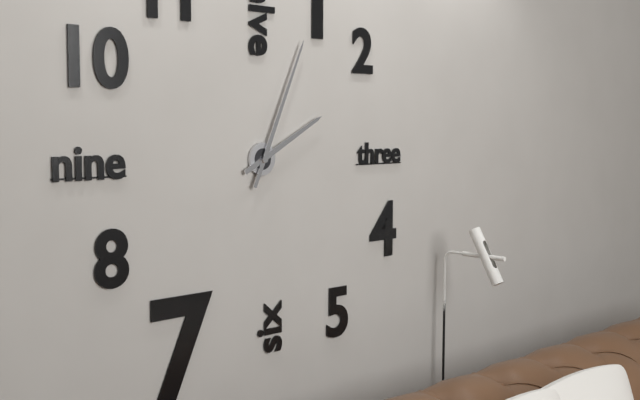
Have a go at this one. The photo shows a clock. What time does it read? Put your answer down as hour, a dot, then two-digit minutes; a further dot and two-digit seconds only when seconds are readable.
2.04
